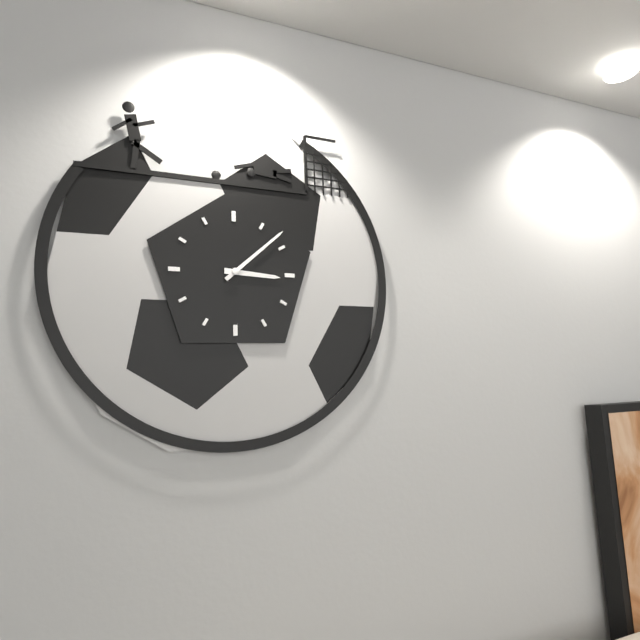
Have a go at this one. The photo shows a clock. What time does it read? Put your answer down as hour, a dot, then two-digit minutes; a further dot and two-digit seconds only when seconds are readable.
3.08
